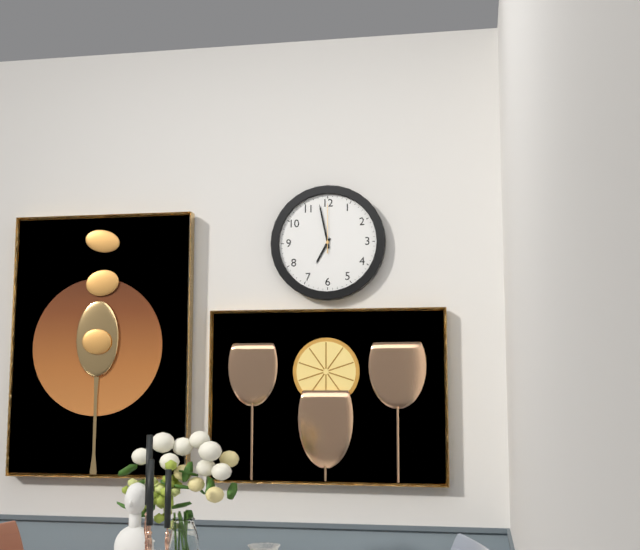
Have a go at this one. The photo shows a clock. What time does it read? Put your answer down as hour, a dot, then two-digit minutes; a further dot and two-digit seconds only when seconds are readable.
6.58.00
